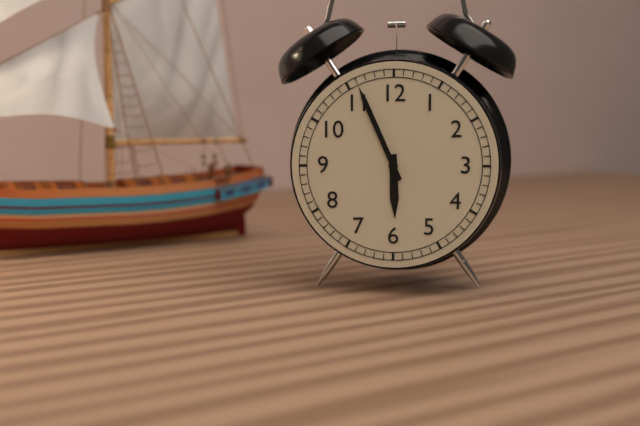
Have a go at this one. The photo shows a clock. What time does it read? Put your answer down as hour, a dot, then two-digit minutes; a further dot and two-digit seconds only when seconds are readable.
5.56
